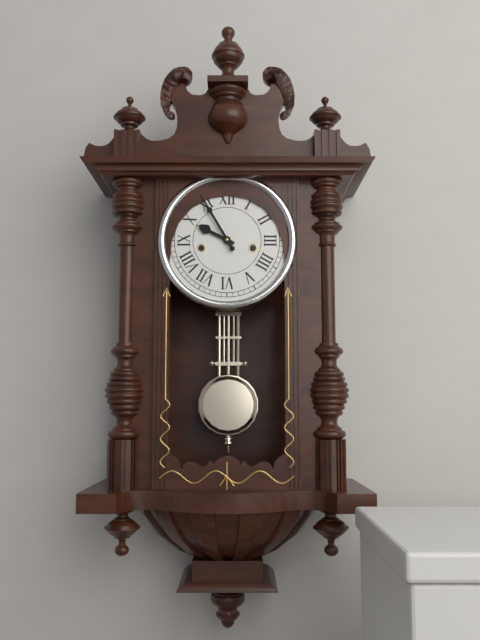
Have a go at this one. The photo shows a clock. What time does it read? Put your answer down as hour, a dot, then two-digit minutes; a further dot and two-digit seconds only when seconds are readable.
9.55
